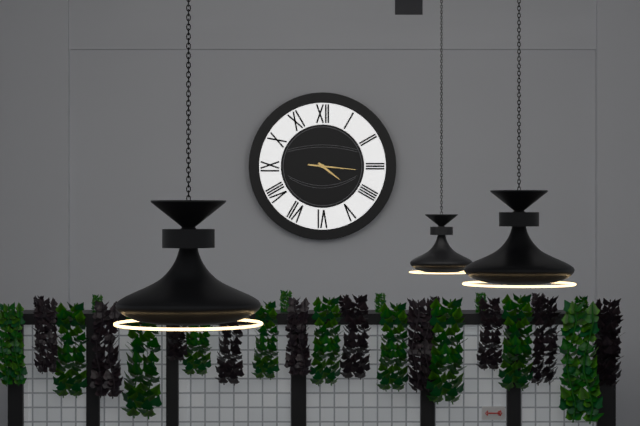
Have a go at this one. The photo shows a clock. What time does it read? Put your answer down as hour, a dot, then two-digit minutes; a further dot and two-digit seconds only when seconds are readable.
4.16
